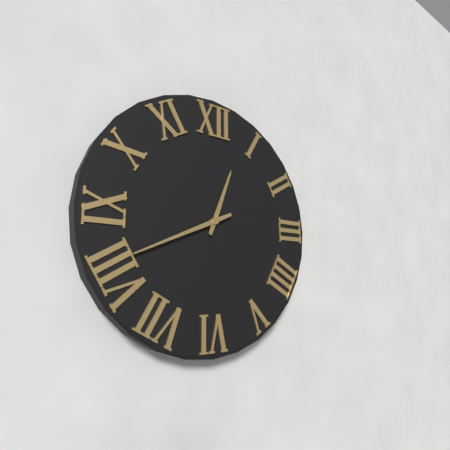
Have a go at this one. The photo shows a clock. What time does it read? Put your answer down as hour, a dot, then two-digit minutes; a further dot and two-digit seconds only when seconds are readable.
12.41
